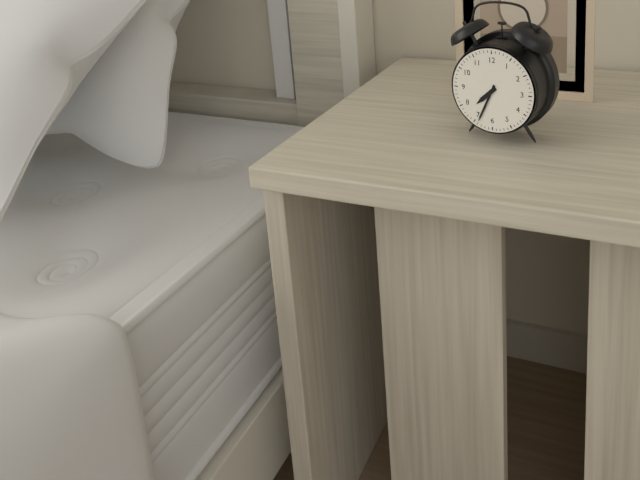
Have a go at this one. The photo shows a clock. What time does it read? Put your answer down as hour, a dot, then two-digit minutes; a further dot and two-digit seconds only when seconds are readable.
7.34
